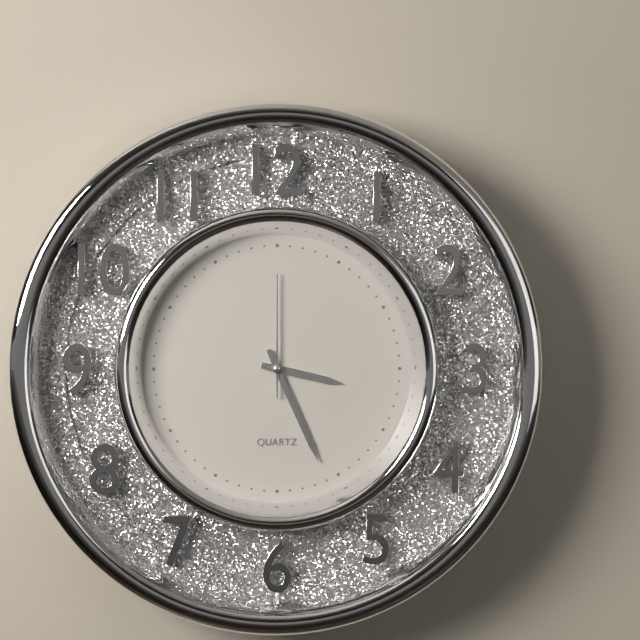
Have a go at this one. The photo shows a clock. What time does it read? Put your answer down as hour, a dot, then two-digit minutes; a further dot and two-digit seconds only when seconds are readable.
3.26.00
